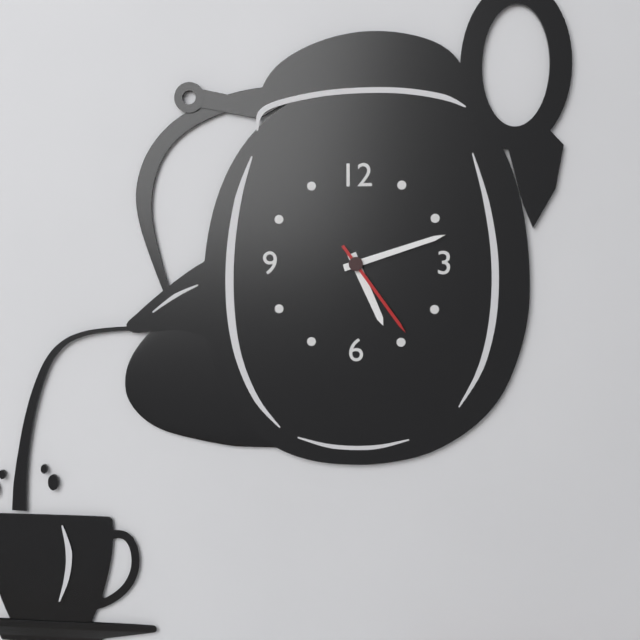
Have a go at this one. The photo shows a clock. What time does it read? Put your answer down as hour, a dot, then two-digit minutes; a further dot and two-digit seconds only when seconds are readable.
5.12.24
